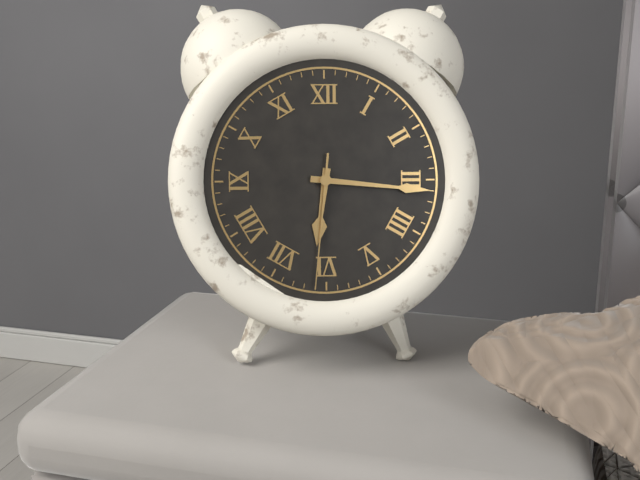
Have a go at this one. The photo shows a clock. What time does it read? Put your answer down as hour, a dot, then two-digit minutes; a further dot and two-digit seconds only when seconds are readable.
6.16.31
